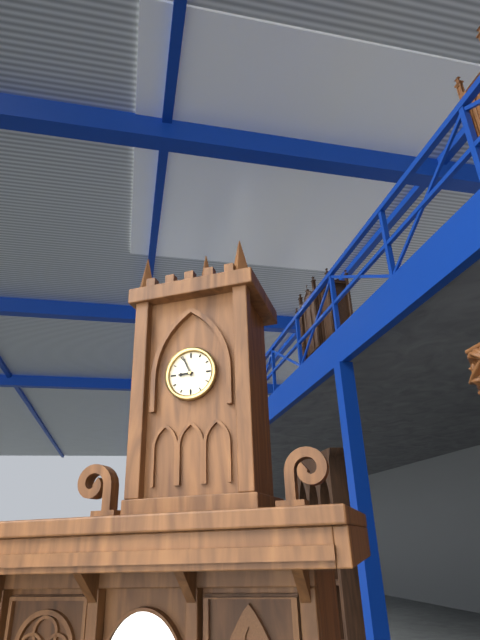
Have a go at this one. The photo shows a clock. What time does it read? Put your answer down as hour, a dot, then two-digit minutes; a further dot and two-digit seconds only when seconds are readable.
8.56
